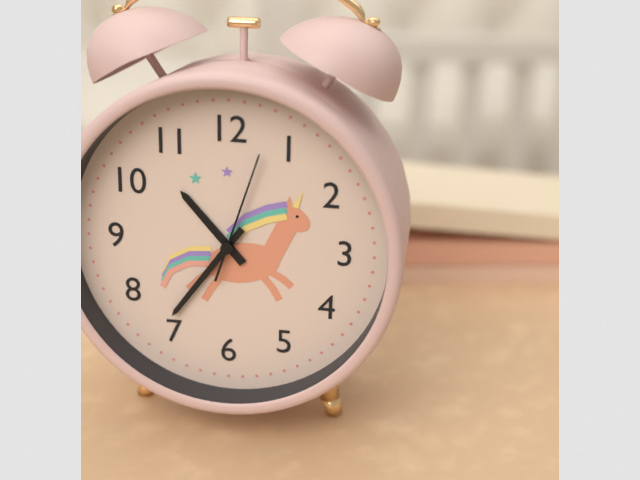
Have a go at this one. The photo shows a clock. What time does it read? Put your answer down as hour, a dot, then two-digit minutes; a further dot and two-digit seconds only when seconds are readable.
10.36.03
